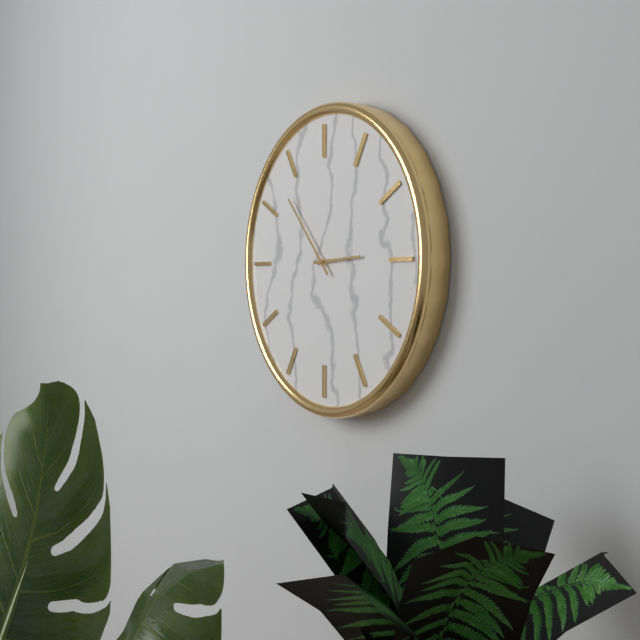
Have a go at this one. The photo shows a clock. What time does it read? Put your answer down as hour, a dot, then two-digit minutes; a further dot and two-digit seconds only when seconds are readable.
2.53
